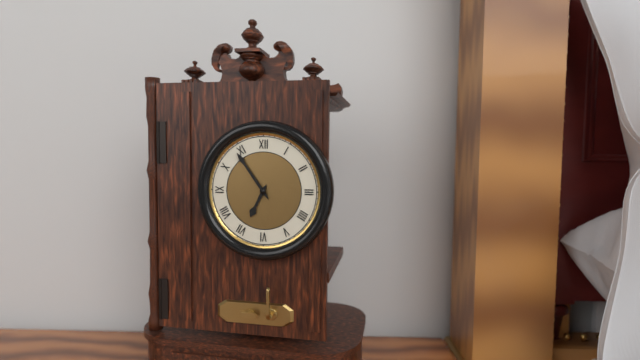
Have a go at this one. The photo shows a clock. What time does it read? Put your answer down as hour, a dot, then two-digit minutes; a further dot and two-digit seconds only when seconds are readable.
6.54
